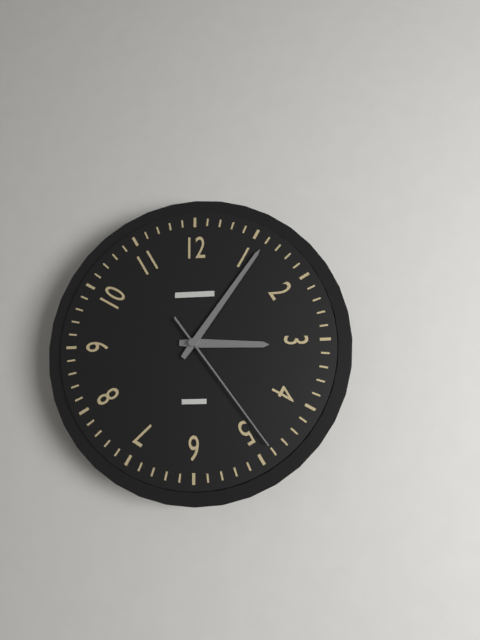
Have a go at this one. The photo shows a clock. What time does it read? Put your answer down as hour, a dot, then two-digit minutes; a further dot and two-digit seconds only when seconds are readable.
3.06.24
